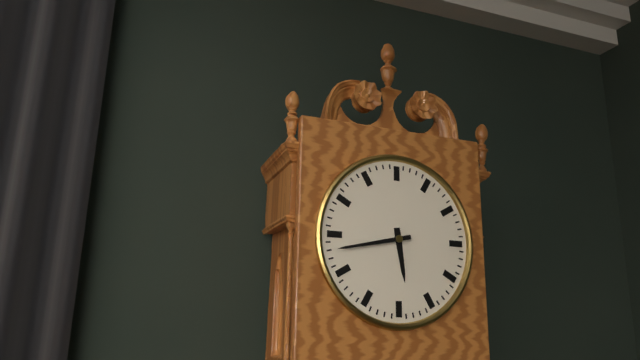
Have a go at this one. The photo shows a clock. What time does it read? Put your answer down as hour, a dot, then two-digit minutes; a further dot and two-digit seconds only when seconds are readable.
5.43
